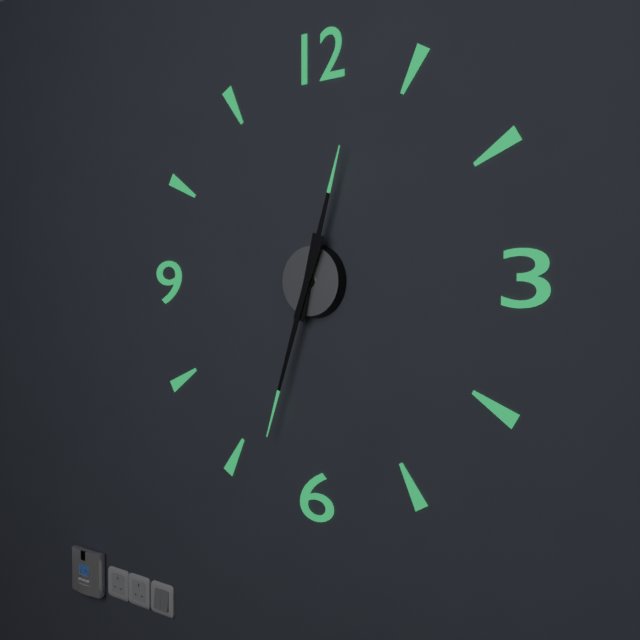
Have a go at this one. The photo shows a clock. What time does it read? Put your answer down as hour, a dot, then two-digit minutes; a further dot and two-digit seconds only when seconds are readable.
12.33
